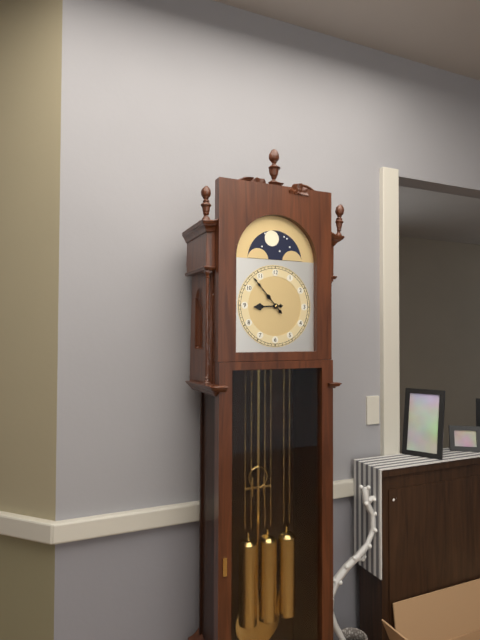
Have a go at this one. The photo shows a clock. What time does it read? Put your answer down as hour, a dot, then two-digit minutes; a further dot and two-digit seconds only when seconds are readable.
8.53
